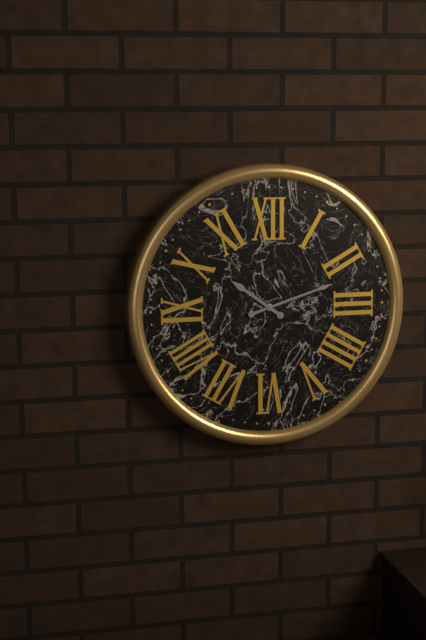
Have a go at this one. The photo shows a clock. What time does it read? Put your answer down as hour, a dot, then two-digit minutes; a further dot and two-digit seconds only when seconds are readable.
10.12
